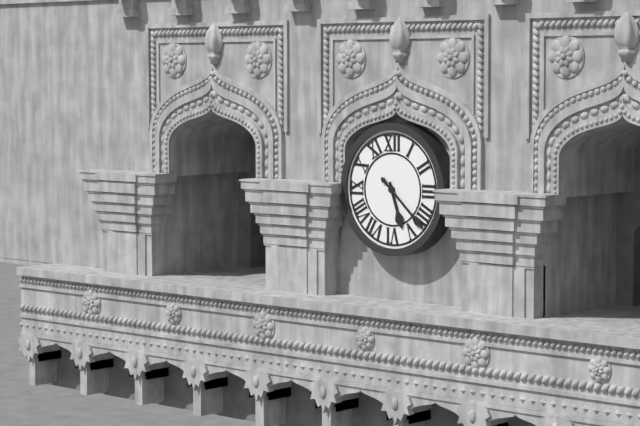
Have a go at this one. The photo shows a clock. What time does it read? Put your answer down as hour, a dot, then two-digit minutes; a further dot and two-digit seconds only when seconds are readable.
5.22
